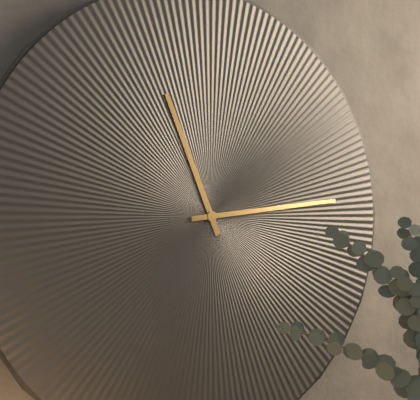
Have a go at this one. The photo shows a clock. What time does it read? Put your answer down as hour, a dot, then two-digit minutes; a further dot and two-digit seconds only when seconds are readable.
11.14
